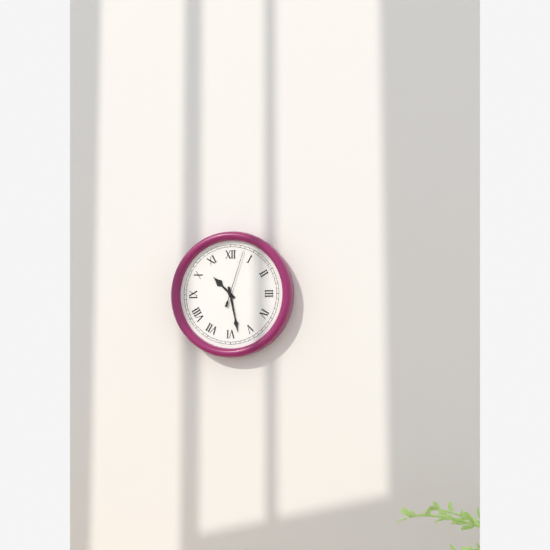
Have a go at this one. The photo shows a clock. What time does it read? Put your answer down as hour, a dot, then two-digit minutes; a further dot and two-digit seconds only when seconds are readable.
10.28.03
